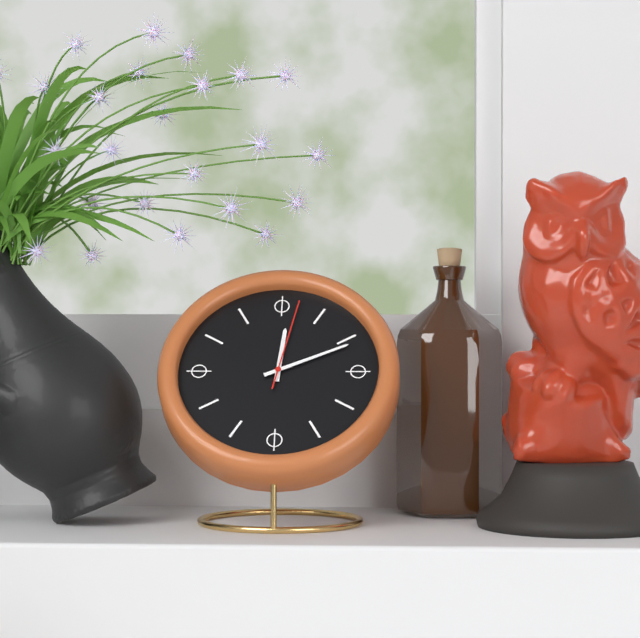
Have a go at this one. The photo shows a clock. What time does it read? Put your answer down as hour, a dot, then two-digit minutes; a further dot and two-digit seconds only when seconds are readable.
12.11.02
